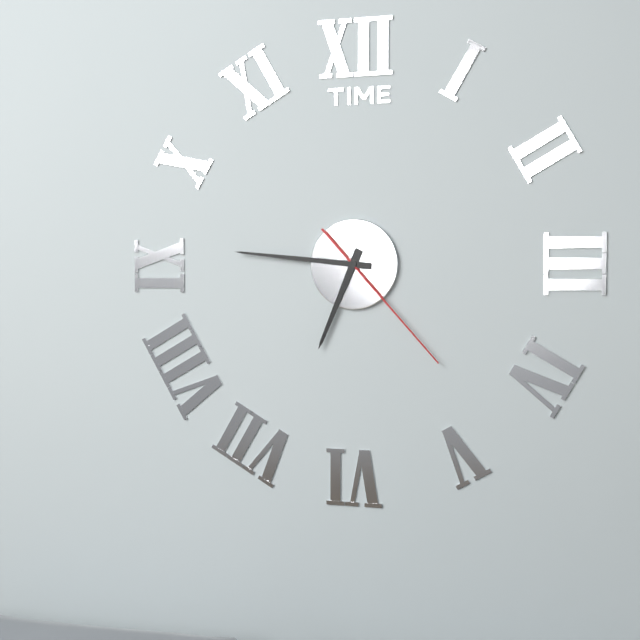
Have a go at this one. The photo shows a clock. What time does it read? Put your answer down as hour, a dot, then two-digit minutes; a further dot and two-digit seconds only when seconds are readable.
6.46.23
